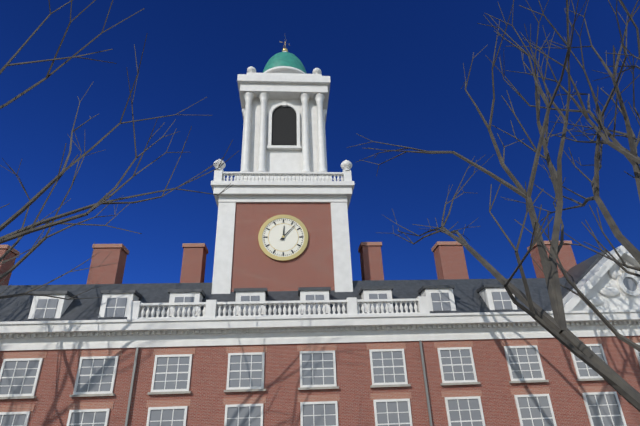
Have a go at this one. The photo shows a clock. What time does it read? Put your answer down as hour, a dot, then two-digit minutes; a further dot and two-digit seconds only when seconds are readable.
12.07
